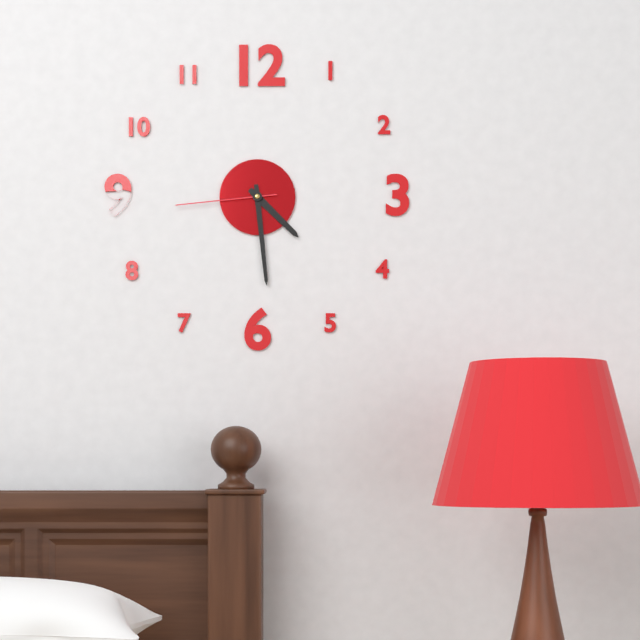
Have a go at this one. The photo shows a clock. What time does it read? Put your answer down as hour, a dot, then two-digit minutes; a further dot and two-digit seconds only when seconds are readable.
4.29.44
